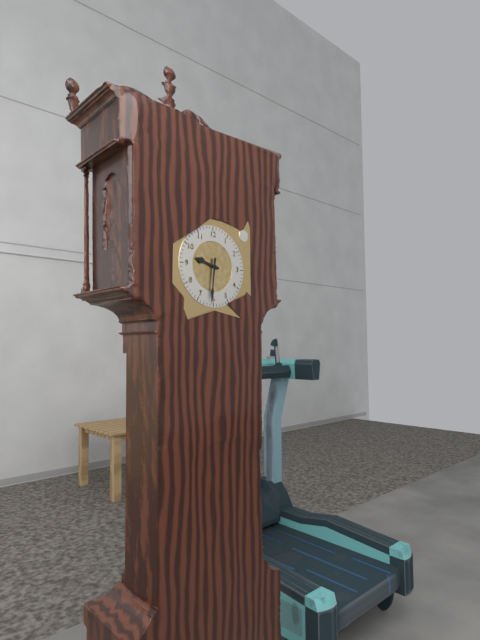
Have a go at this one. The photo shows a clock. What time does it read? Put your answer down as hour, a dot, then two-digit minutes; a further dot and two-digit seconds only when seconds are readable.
9.31
